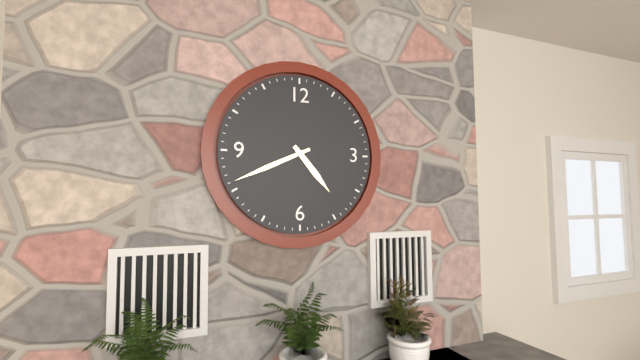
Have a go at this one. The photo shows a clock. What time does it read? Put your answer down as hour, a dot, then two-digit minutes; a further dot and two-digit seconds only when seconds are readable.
4.41
